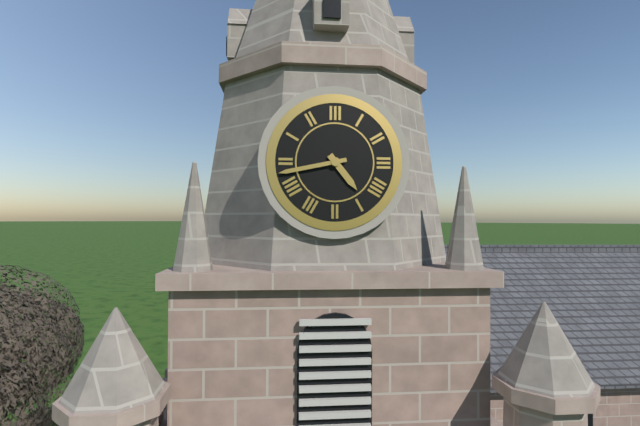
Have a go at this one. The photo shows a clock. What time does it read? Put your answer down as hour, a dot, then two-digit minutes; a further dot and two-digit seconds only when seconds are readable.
4.43
